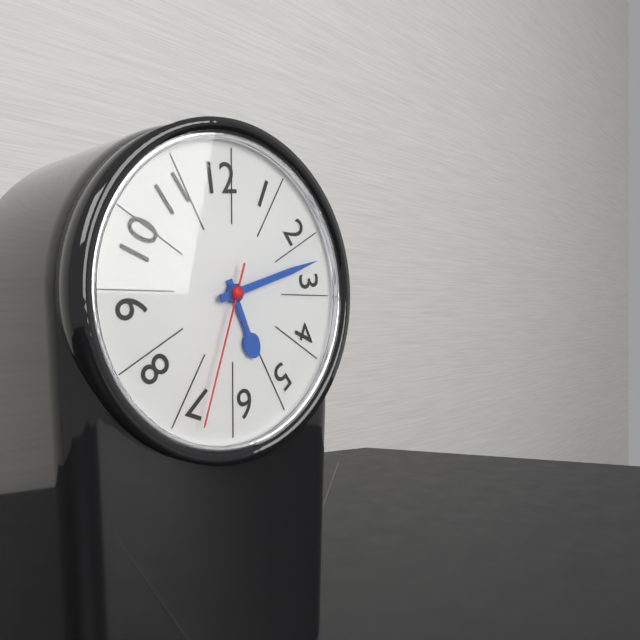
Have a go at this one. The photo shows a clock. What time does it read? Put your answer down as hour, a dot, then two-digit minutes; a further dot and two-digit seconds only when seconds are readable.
5.12.33
